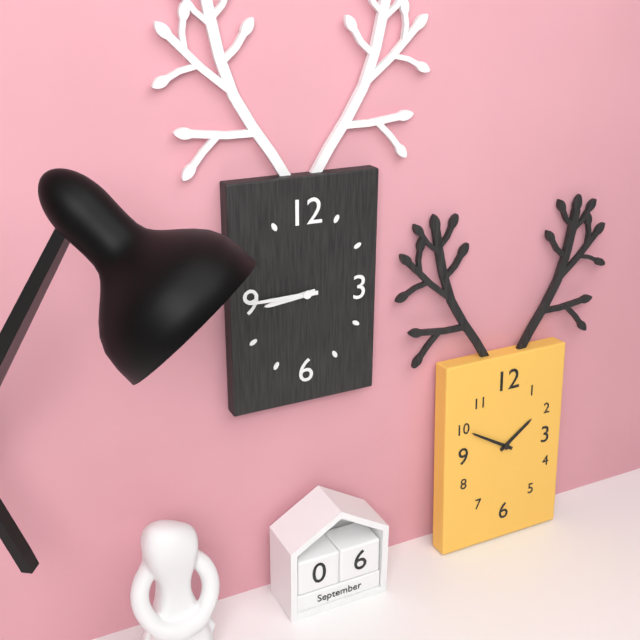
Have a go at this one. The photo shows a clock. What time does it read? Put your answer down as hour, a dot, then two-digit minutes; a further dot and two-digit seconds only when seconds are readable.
8.45
